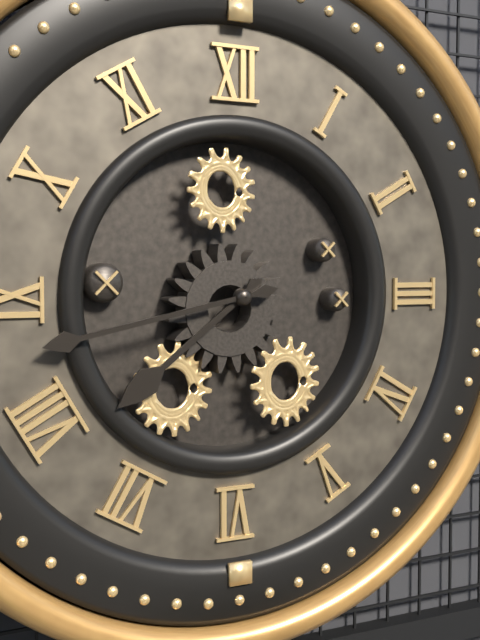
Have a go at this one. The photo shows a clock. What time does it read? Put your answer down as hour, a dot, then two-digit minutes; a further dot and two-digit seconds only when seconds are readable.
7.43
